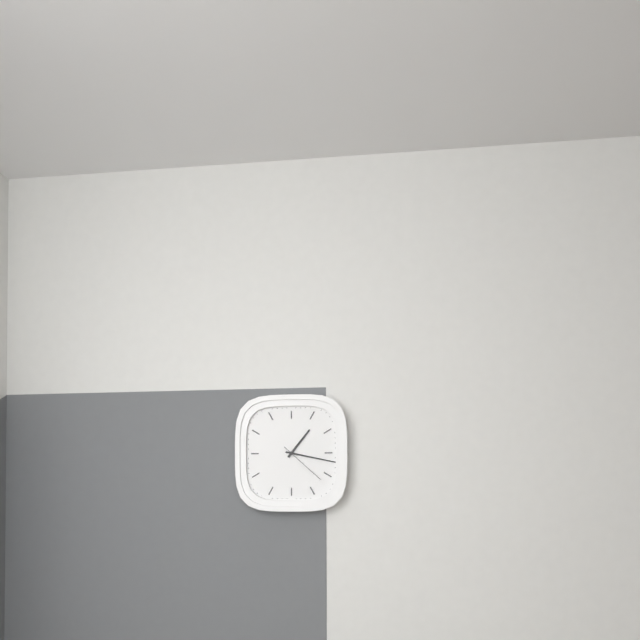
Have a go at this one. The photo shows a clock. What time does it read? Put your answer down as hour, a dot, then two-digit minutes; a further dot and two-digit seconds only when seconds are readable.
1.17
